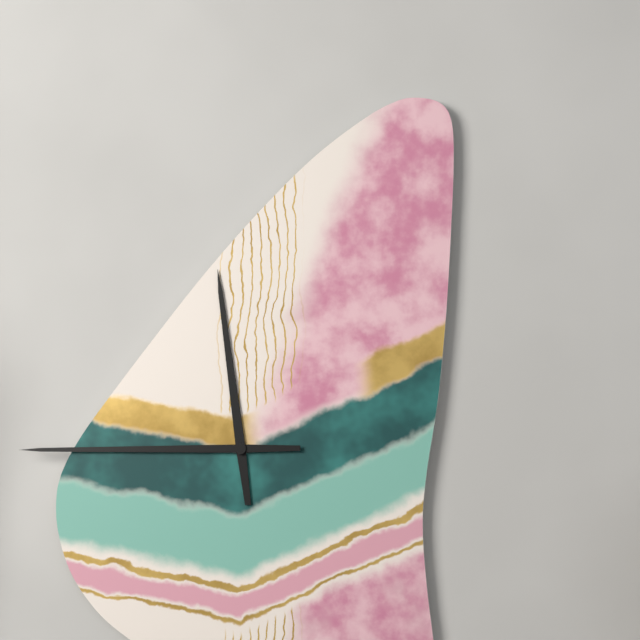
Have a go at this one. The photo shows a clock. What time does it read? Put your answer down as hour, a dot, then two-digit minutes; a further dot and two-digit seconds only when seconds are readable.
11.45
